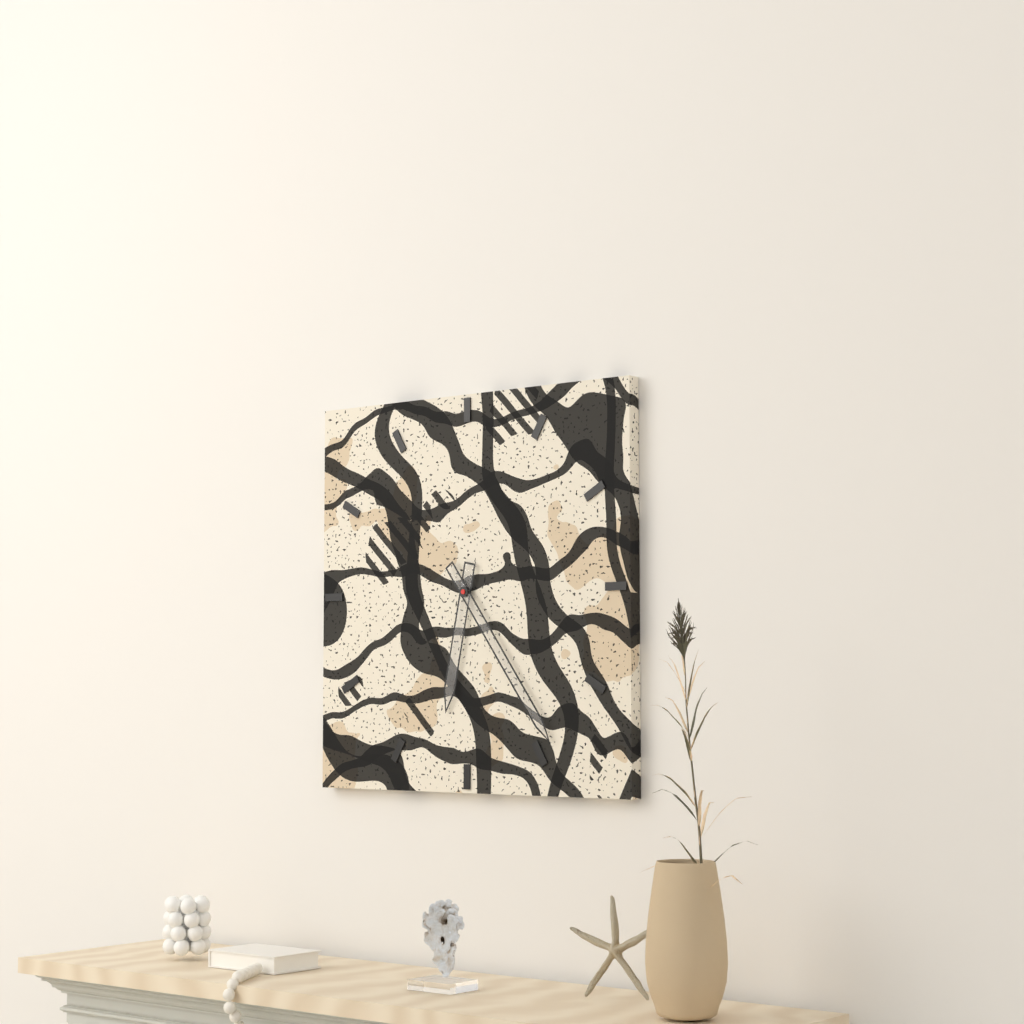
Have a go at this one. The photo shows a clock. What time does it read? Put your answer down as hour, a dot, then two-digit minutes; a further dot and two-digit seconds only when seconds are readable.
6.24
